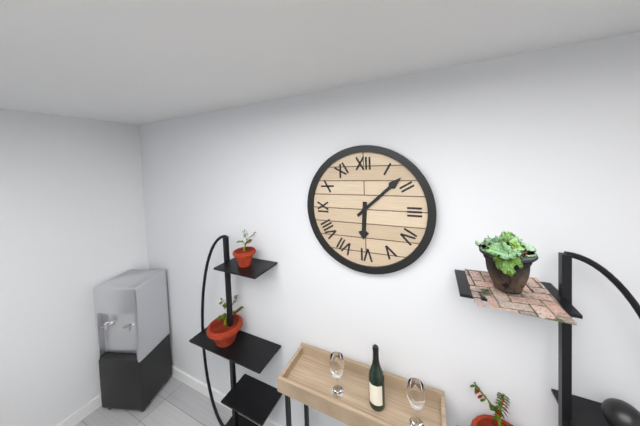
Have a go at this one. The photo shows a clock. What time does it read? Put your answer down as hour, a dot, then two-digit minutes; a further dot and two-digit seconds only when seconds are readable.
6.08
